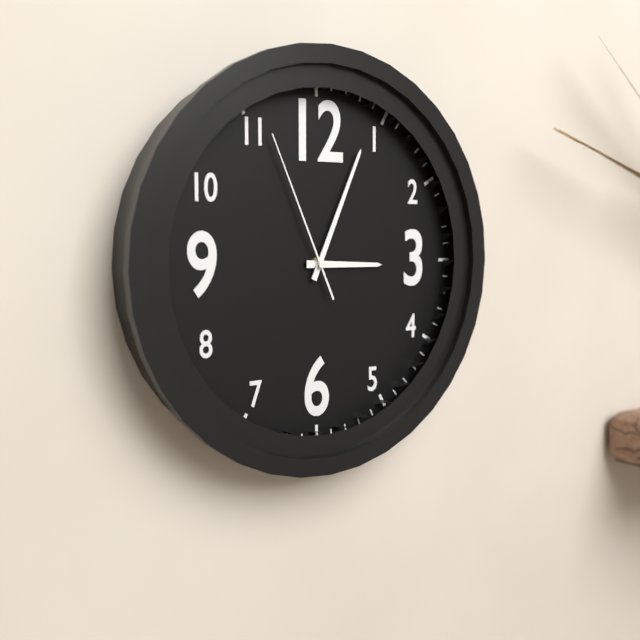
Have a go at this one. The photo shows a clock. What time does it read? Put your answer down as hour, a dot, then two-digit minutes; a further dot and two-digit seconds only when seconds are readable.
3.04.56
